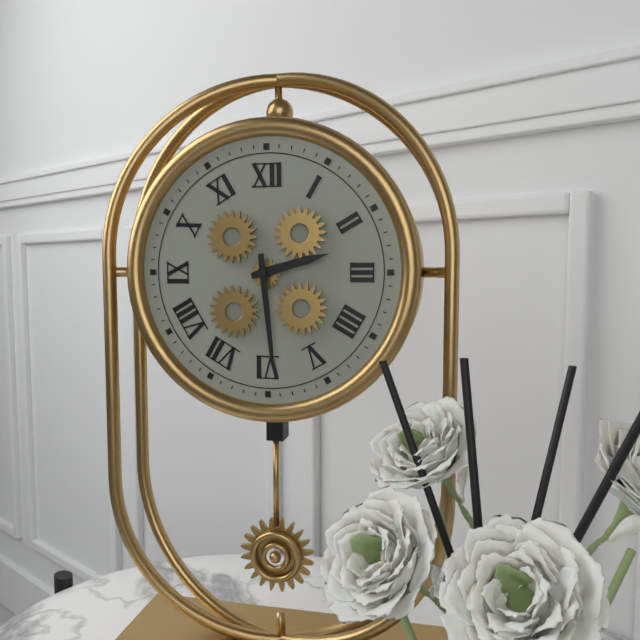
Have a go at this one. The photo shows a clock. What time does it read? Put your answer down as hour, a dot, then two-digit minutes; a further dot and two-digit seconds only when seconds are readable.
2.29
